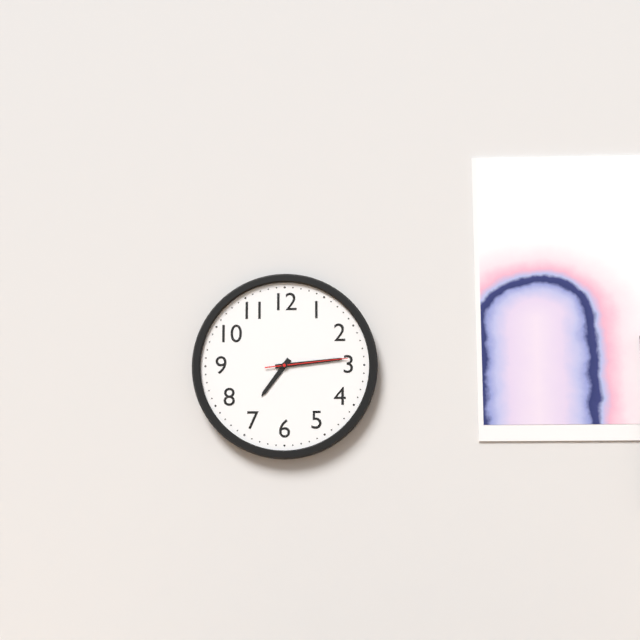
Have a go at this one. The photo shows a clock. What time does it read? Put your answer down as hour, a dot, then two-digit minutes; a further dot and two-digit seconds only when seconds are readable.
7.14.14
